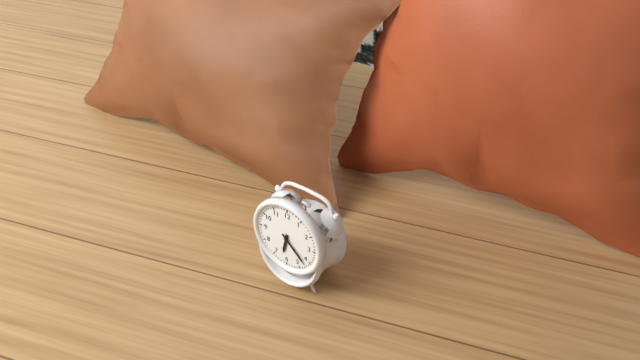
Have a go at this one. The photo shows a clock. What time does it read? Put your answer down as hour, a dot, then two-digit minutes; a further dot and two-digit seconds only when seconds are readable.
6.22
